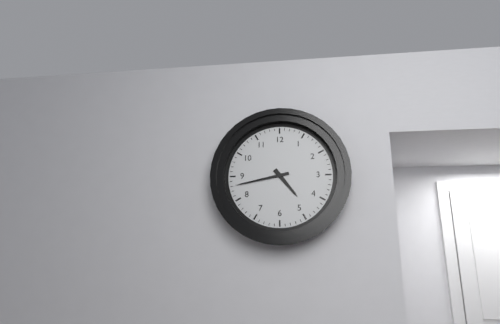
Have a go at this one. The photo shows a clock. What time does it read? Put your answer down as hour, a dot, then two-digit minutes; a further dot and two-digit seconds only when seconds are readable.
4.43
